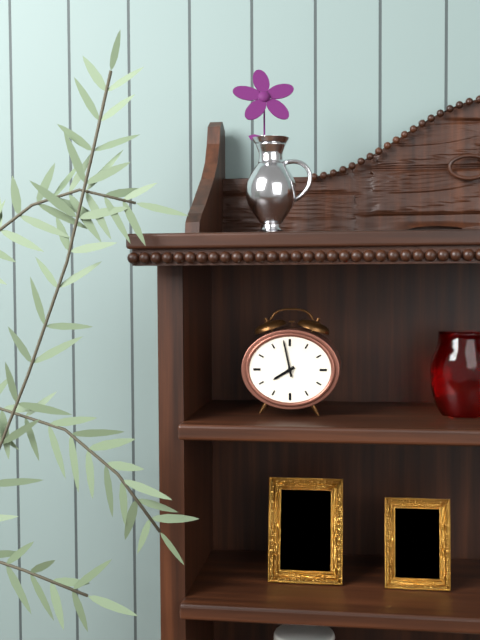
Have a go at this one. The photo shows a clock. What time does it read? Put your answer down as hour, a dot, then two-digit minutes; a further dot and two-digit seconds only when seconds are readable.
7.58
